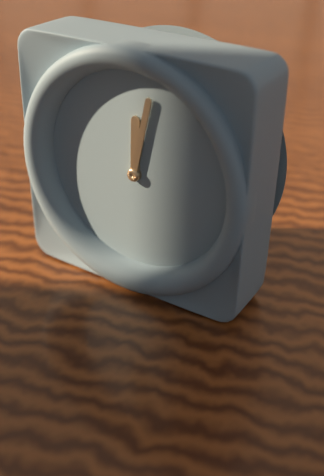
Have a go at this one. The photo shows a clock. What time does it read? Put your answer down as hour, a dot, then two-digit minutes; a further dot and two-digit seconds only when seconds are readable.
12.02
